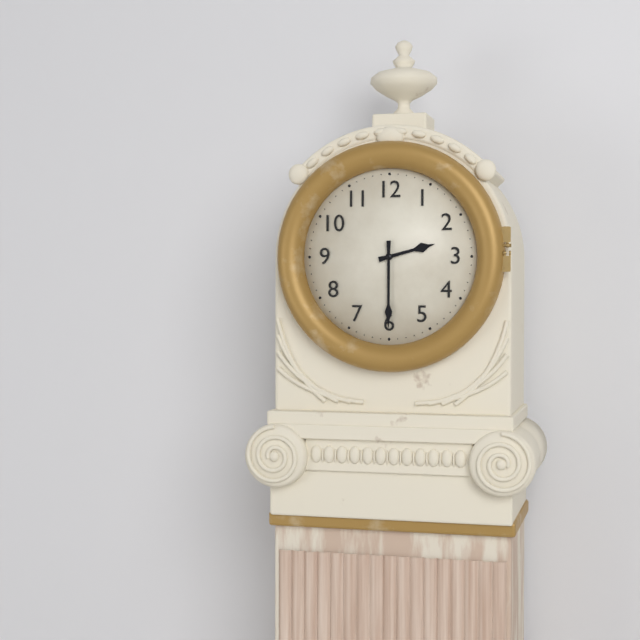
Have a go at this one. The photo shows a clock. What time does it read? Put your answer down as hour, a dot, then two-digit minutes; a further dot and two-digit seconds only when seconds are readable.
2.30
